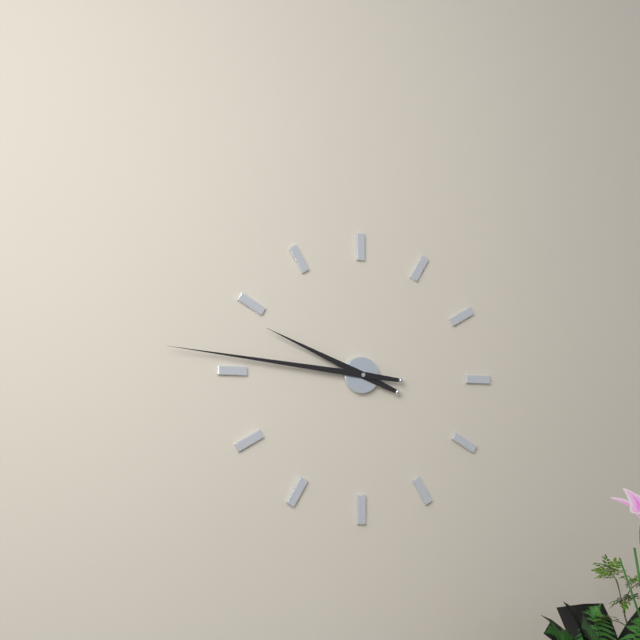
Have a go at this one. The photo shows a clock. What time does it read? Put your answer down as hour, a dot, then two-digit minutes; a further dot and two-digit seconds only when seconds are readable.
9.46
